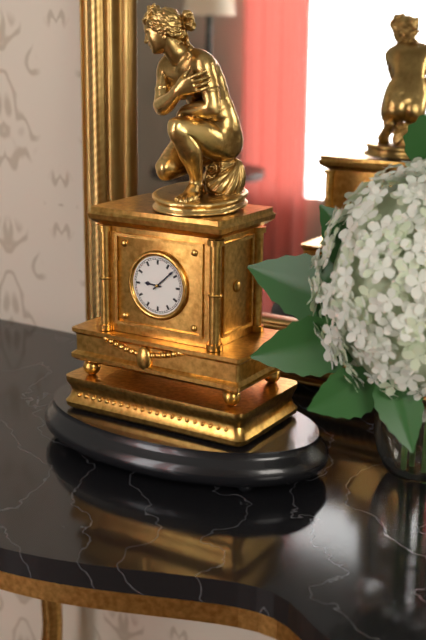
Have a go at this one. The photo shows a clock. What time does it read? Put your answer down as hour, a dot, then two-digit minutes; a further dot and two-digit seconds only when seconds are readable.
9.08
